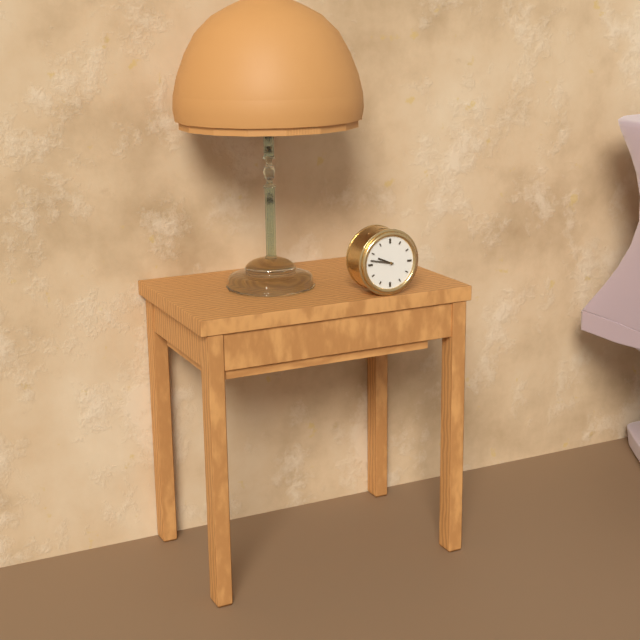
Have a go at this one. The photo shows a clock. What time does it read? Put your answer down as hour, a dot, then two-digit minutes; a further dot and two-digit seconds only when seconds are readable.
9.47
